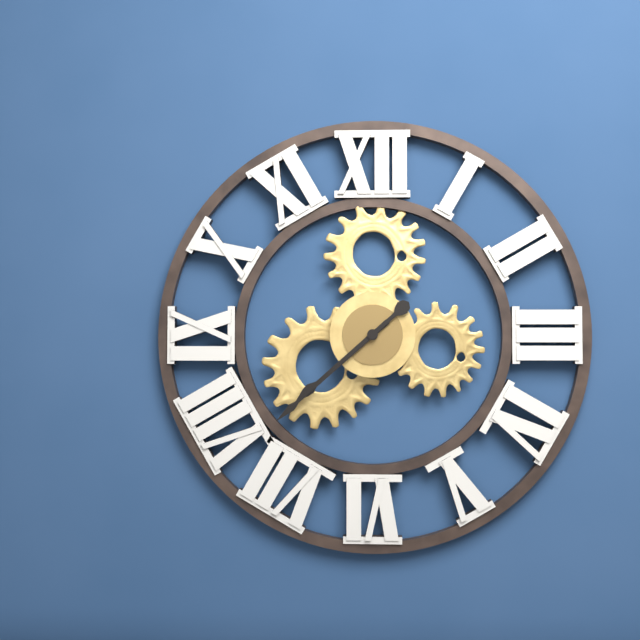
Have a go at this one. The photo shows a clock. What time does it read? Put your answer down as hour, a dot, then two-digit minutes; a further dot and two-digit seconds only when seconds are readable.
7.38
